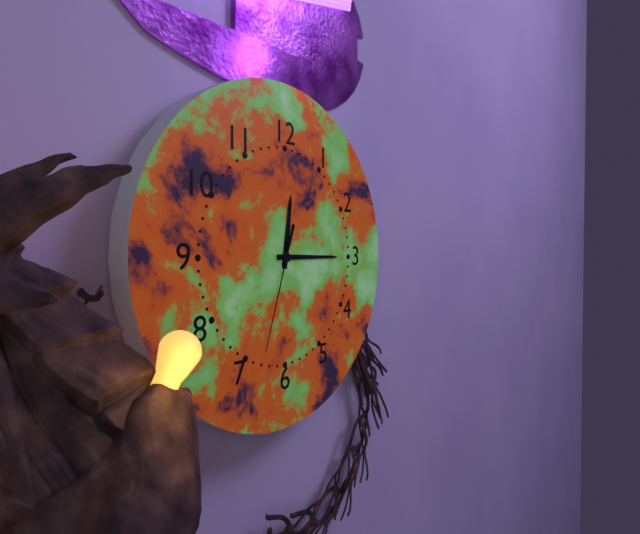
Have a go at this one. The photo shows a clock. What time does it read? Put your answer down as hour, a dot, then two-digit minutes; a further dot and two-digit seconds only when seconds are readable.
12.15.33
